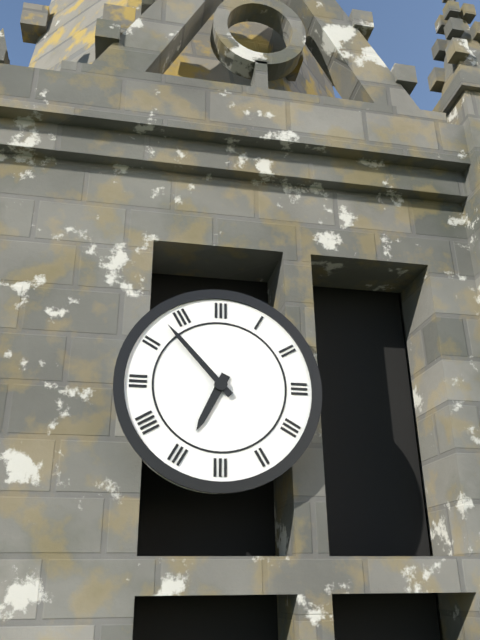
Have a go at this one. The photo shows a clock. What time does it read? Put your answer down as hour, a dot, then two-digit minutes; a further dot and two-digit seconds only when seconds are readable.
6.53
